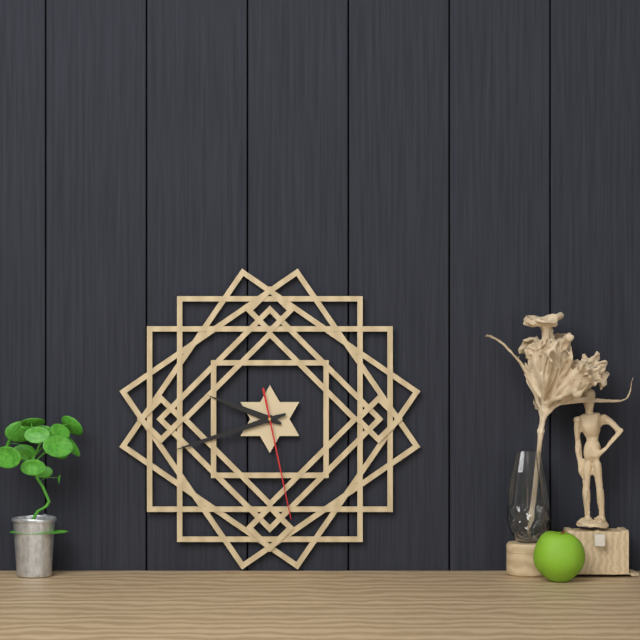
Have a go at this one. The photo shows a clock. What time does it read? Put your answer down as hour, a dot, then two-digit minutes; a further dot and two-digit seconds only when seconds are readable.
9.42.28
